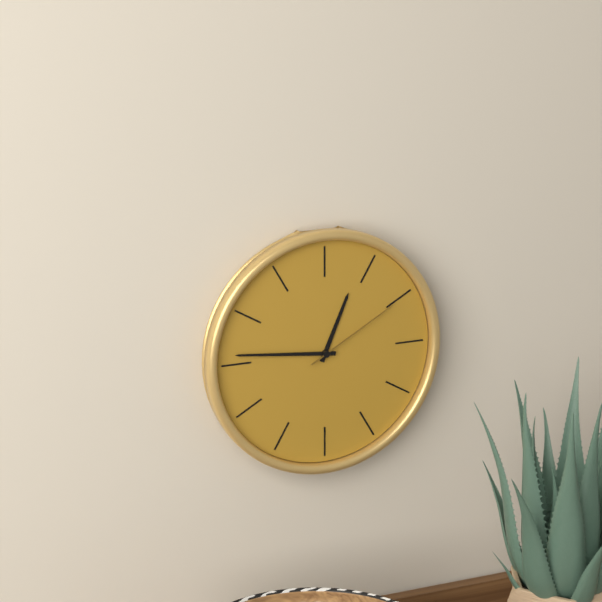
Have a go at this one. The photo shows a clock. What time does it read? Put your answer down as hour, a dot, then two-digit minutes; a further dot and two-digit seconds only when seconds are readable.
12.46.10
